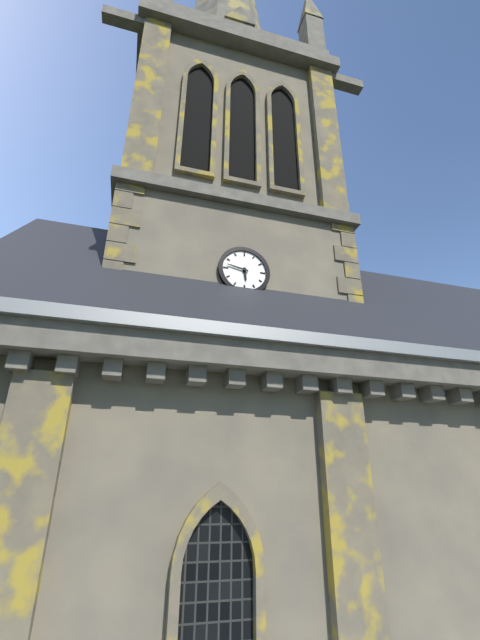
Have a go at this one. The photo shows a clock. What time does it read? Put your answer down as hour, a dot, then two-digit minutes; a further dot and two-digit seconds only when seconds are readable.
5.47
